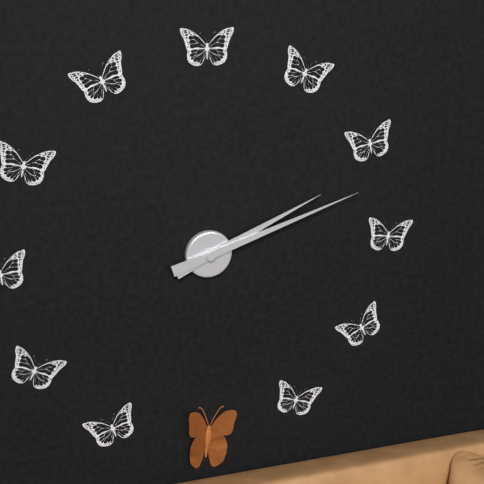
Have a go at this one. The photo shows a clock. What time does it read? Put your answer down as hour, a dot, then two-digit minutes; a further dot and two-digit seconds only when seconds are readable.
2.12
